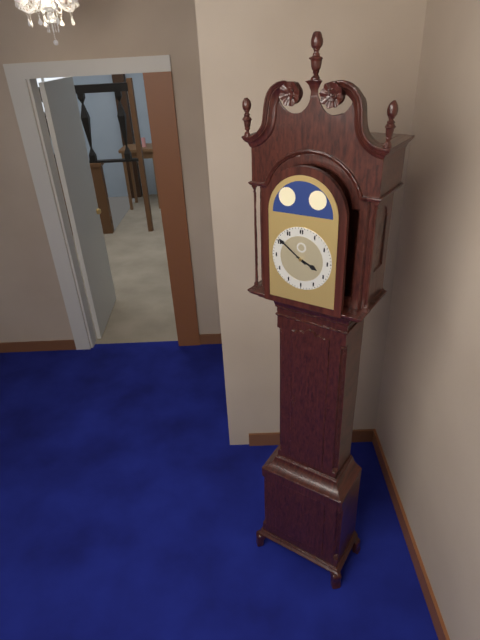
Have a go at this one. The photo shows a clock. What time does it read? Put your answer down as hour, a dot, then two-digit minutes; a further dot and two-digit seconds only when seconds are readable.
3.51
